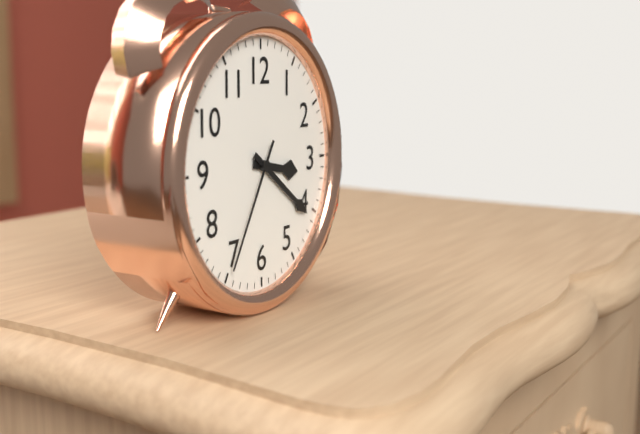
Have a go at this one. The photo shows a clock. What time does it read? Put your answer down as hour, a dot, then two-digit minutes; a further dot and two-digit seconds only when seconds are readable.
3.21.35
